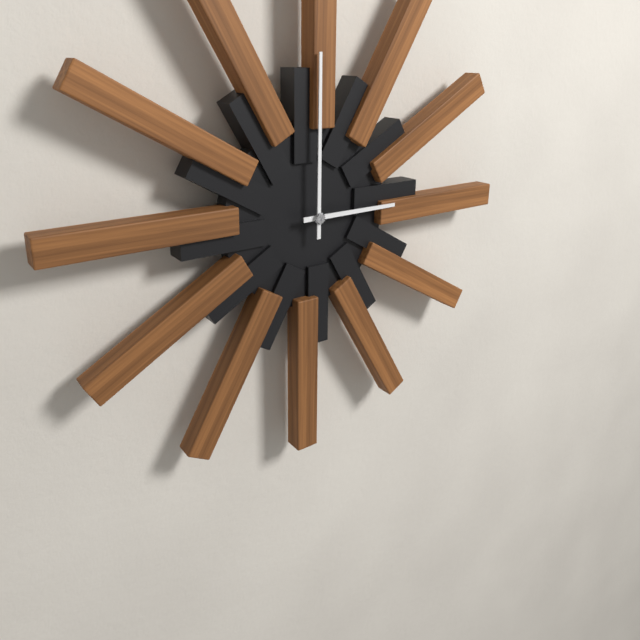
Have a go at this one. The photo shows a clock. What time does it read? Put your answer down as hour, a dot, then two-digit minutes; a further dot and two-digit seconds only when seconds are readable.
3.00
